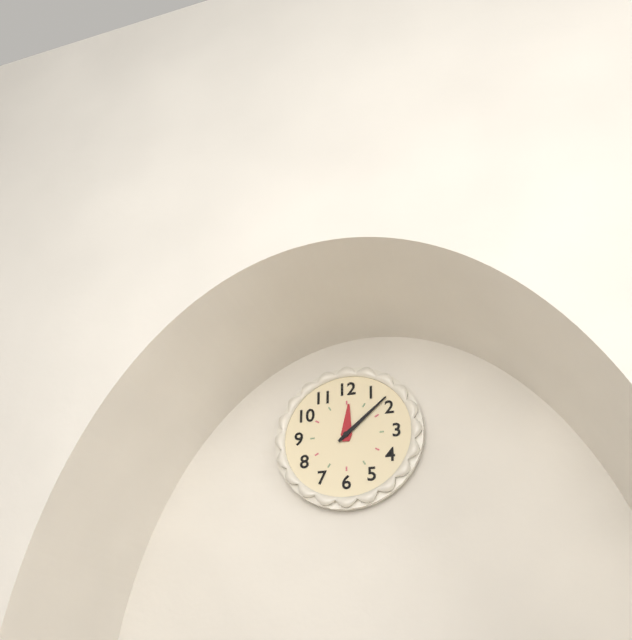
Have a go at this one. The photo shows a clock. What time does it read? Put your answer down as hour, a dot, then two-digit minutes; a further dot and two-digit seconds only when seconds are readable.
12.08
